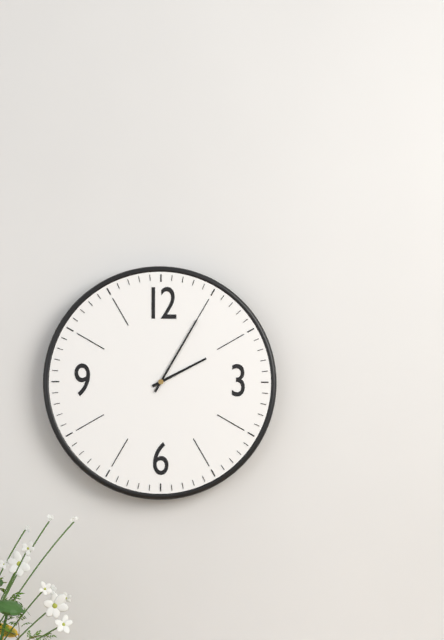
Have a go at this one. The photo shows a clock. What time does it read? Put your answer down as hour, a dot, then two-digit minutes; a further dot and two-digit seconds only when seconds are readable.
2.05
